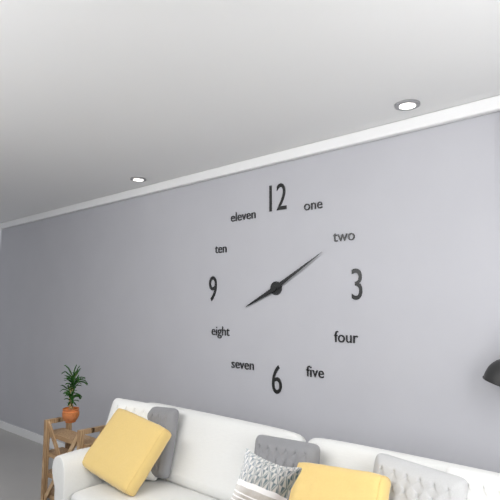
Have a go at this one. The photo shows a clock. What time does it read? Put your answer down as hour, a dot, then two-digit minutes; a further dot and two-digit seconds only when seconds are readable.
8.10
